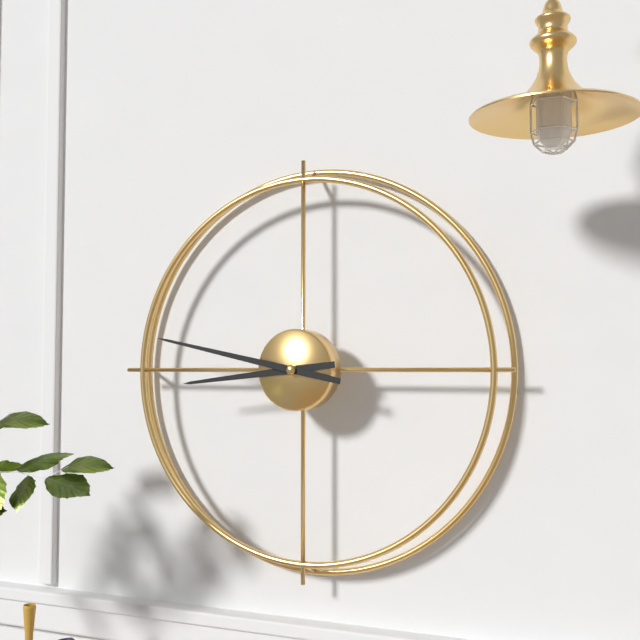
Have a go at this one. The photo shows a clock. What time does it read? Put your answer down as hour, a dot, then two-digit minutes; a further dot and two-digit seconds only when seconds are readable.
8.47
